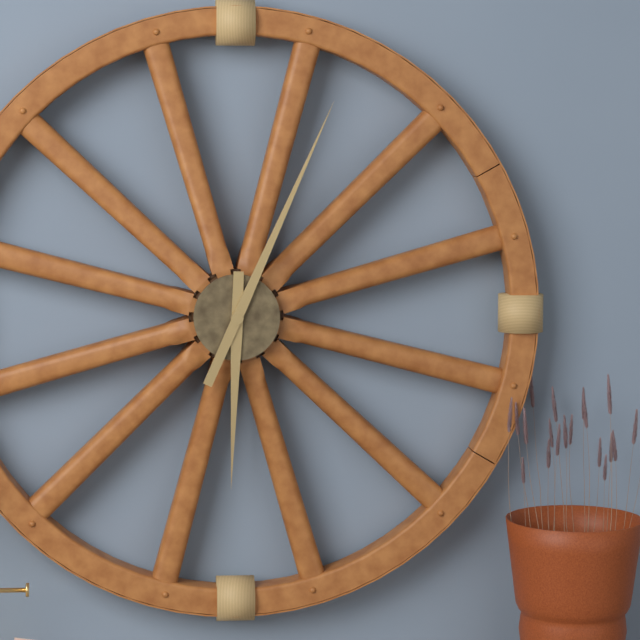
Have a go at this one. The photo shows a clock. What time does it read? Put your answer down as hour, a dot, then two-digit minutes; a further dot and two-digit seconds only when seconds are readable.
6.04
